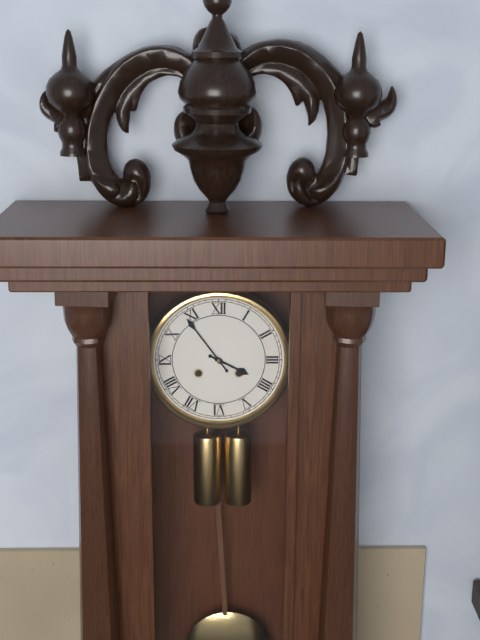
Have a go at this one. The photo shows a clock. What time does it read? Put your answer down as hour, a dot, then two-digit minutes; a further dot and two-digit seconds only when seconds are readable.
3.54
